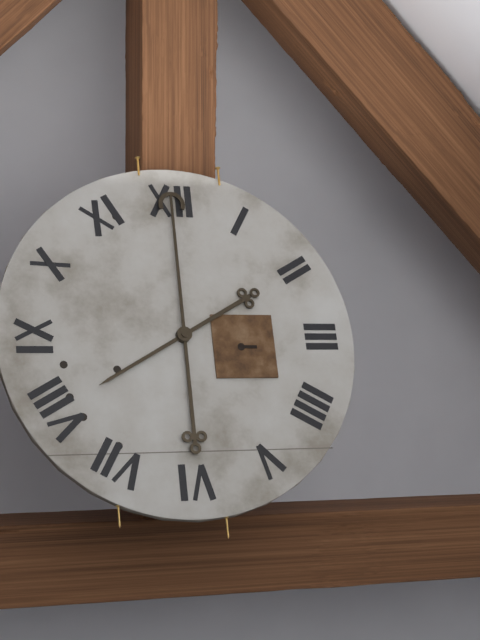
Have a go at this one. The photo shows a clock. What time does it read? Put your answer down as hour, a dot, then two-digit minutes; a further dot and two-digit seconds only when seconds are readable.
8.00
